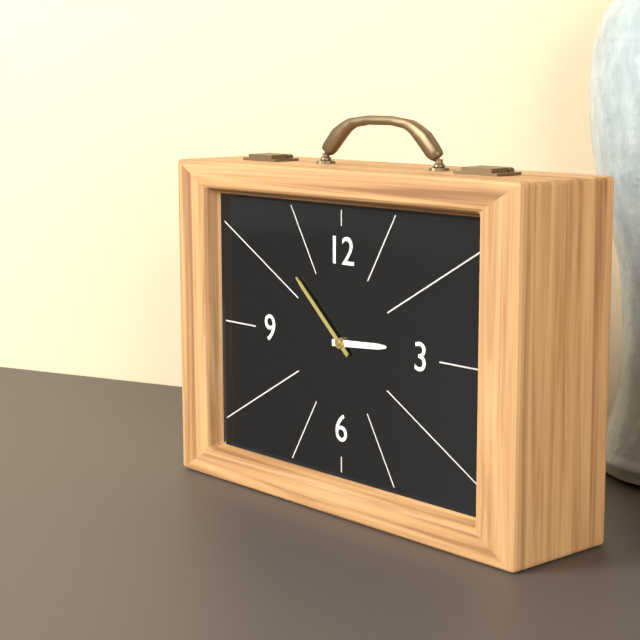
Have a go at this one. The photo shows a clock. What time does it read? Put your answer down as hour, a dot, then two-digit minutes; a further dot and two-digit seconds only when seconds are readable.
2.52
